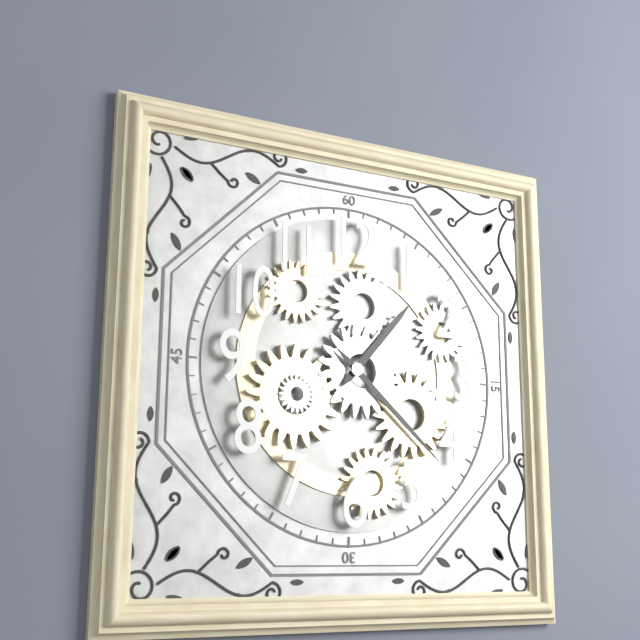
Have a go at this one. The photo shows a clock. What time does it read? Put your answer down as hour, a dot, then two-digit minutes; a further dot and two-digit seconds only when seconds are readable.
1.22
